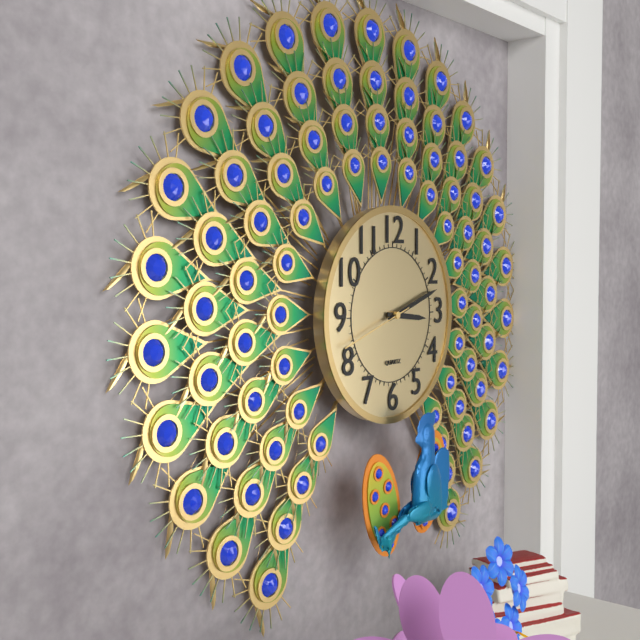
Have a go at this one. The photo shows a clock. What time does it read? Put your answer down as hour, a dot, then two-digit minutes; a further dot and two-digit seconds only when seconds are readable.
3.12.42
